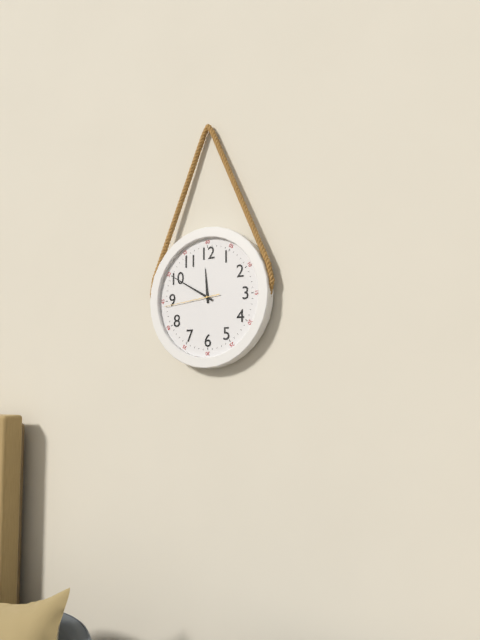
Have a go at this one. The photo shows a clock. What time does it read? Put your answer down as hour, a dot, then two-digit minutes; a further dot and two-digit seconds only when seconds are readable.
11.50.44
